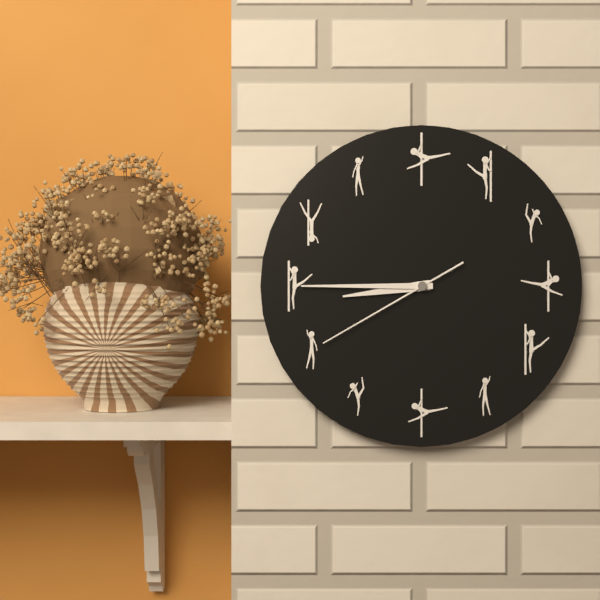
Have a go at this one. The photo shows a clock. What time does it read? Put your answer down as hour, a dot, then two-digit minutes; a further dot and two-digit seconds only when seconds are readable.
8.45.40
